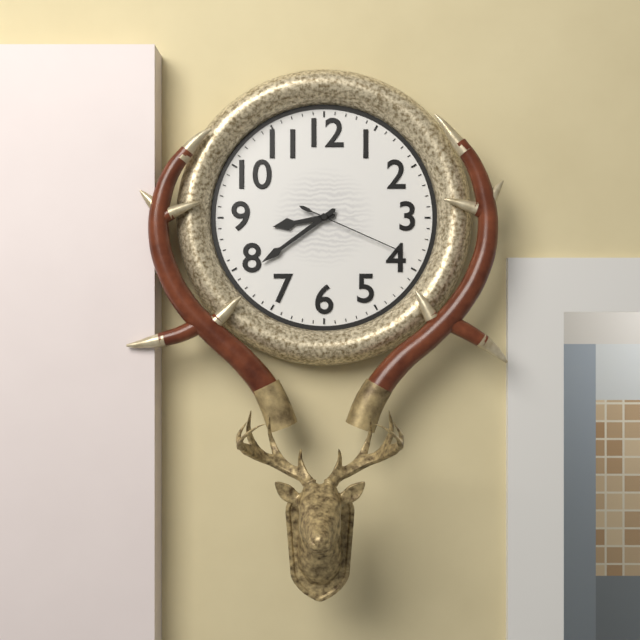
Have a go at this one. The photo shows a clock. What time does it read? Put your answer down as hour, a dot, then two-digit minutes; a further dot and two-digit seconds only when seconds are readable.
8.39.19
